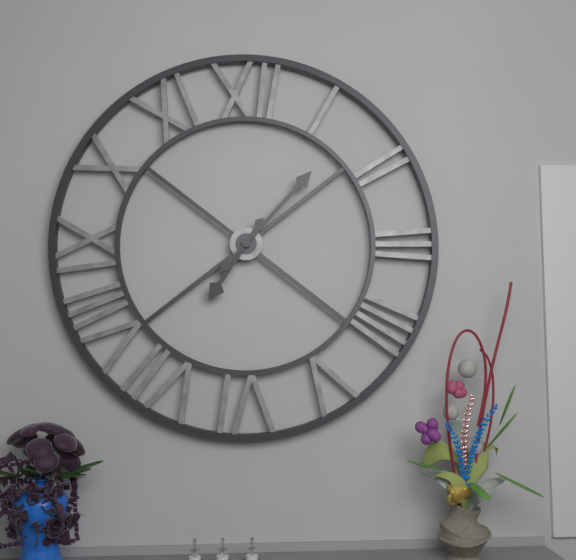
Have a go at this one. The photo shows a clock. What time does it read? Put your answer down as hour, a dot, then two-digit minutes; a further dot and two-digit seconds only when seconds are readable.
7.07
